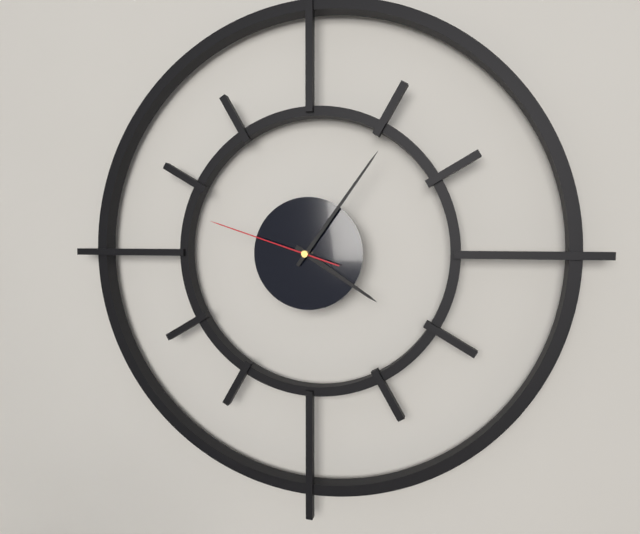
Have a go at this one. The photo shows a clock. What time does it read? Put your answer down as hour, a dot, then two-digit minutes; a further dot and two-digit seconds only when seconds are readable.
4.06.48
